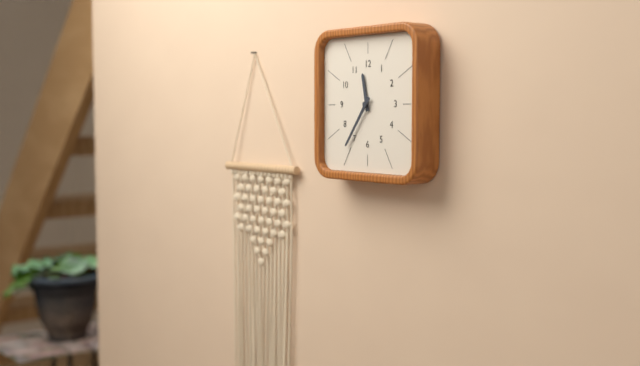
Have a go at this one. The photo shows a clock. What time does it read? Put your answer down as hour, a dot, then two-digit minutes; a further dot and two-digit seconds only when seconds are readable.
11.36
